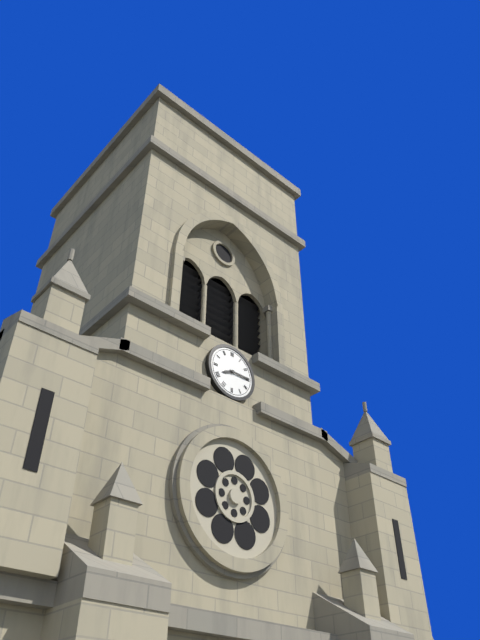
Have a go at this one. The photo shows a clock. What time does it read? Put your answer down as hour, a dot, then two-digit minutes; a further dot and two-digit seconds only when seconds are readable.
8.15
